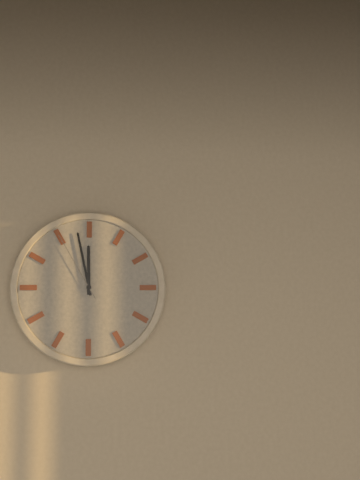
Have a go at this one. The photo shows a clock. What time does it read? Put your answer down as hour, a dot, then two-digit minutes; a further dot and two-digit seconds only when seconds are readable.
11.58.55
